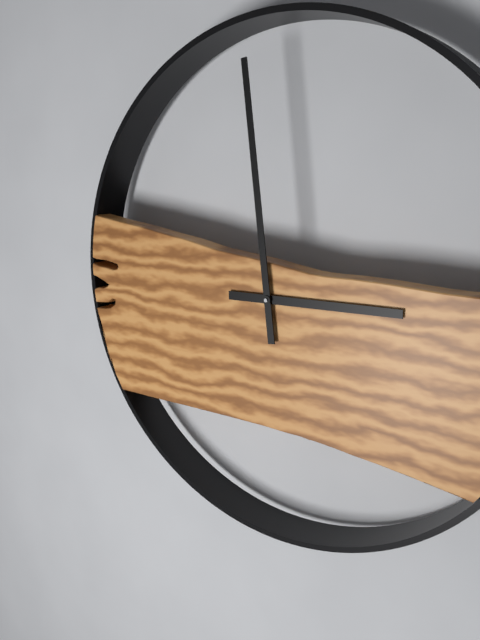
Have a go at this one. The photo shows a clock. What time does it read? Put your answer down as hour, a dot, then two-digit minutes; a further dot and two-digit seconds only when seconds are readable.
2.59
